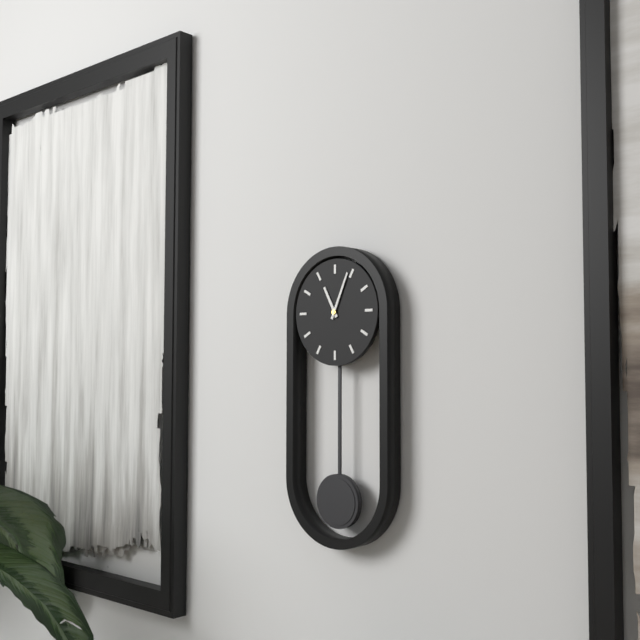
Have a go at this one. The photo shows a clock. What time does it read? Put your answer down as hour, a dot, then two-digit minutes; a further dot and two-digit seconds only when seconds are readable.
11.04
